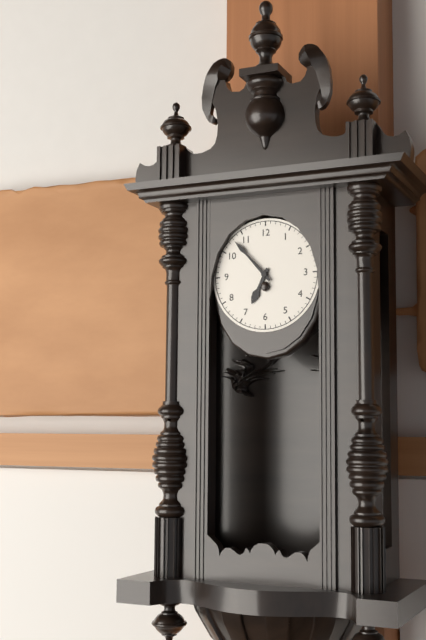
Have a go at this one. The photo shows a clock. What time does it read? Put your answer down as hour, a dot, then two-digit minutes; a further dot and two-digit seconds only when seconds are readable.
6.53
